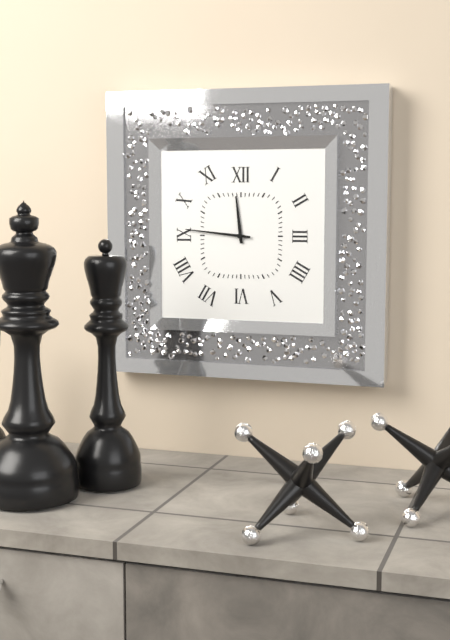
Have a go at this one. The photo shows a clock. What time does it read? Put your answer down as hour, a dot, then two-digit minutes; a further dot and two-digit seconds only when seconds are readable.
11.46
